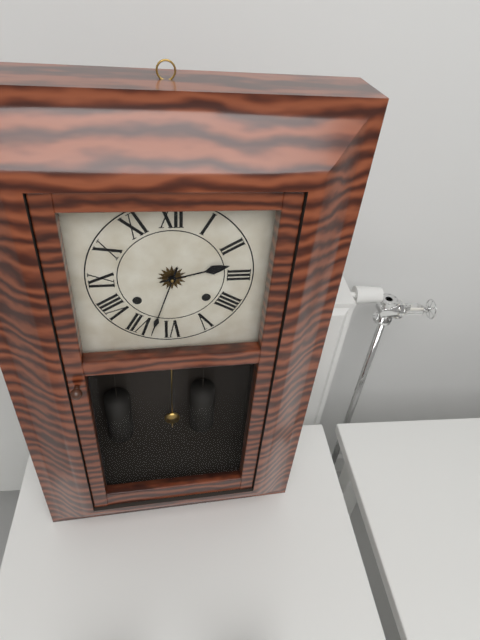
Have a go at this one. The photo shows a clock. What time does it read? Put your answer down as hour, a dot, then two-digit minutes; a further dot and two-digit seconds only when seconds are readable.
2.33
